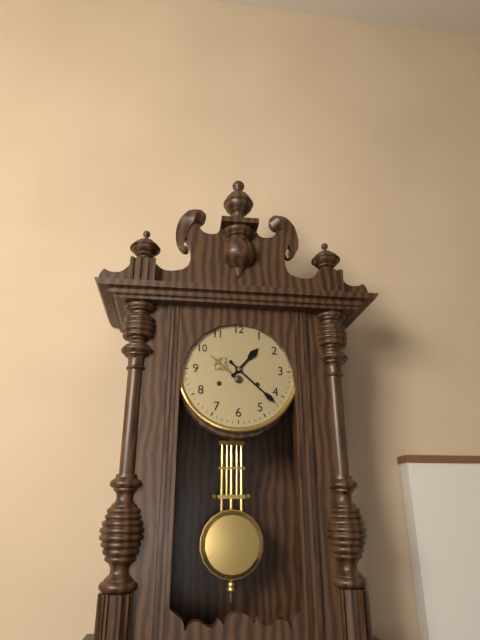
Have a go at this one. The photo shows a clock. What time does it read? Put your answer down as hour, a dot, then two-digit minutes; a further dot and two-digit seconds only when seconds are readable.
1.22
